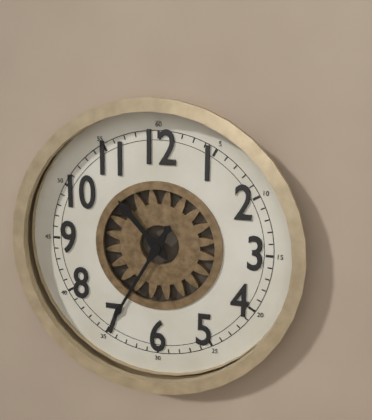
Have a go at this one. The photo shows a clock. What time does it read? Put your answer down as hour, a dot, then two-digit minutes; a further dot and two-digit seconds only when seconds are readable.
10.35
